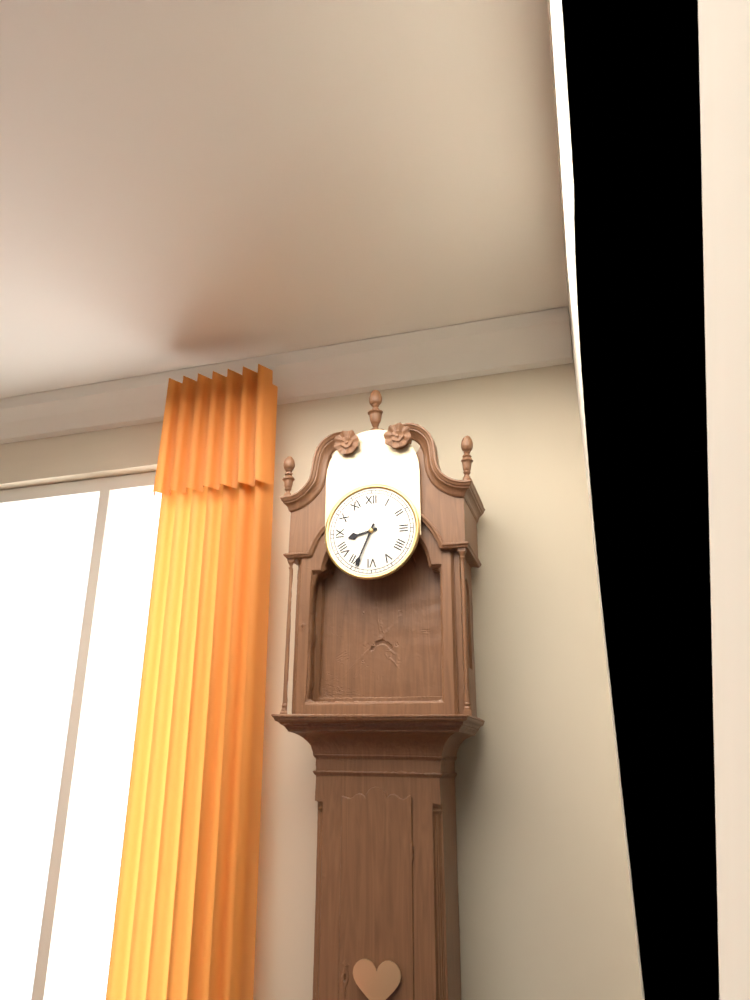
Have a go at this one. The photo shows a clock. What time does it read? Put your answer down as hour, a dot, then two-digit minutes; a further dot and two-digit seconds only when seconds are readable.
8.34
